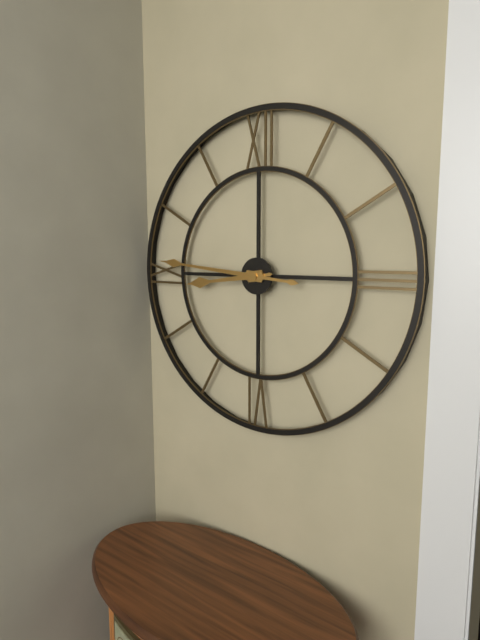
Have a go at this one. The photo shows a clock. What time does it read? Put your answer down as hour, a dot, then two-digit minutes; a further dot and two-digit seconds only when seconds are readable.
8.46
